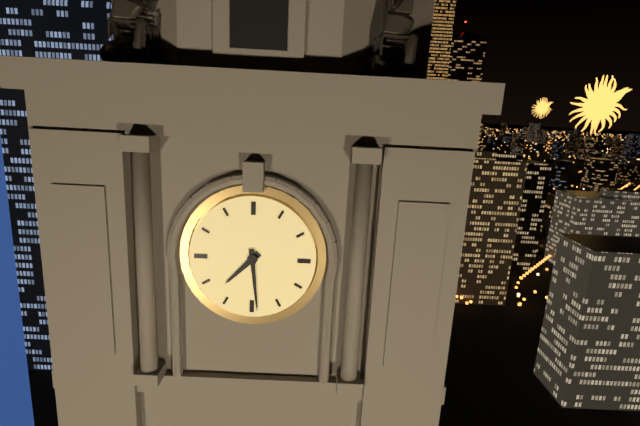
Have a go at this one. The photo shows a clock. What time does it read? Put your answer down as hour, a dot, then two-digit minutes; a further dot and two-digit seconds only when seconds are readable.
7.29
